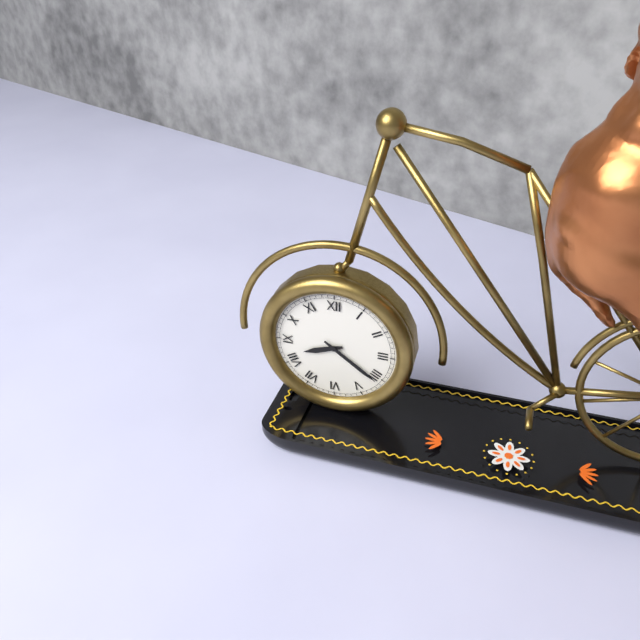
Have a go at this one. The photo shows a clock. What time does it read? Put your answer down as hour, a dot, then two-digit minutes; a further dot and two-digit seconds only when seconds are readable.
8.21
